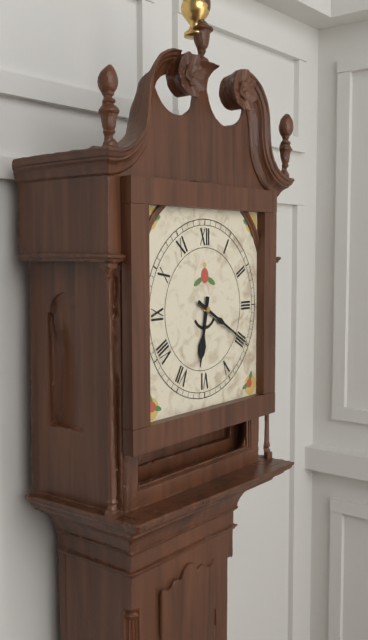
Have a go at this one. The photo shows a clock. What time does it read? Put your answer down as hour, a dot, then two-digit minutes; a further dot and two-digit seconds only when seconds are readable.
6.20
